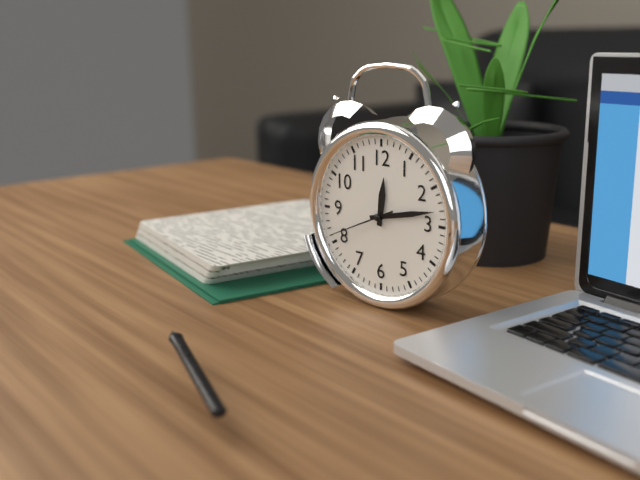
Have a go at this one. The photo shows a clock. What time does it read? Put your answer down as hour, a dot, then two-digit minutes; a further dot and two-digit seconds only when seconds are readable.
12.13.41
